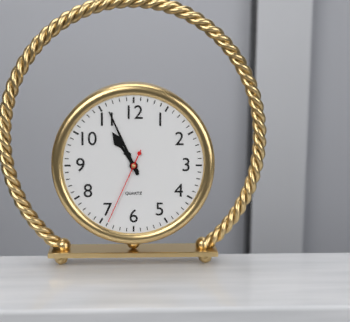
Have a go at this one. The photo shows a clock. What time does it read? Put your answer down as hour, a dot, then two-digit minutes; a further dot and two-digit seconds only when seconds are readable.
10.56.34
